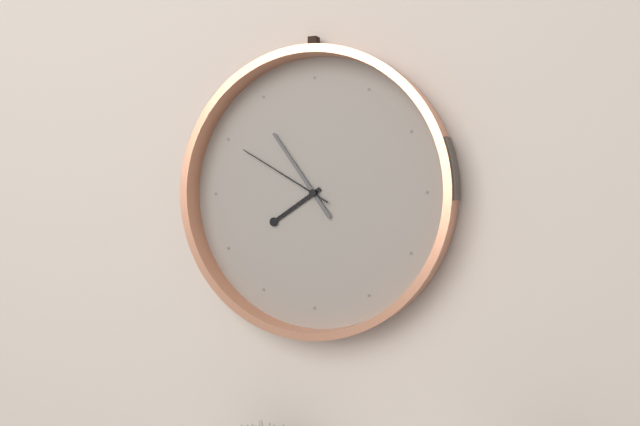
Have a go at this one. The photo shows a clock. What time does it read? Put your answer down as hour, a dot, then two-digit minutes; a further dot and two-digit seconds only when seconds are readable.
7.54.50
